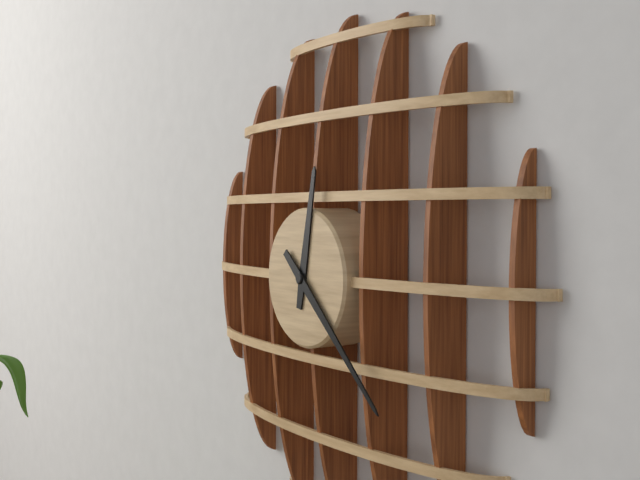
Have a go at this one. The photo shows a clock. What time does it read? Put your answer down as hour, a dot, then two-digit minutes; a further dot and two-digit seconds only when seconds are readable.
12.22
